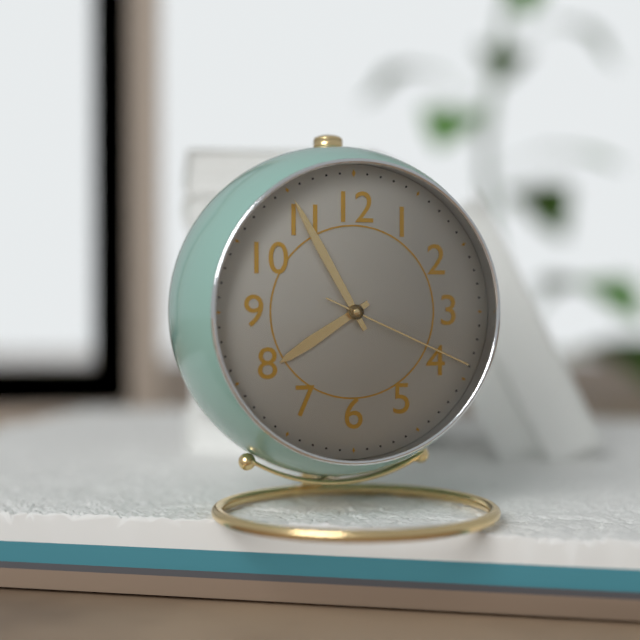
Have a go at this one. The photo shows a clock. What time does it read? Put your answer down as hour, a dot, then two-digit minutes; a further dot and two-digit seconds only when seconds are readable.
7.55.19
